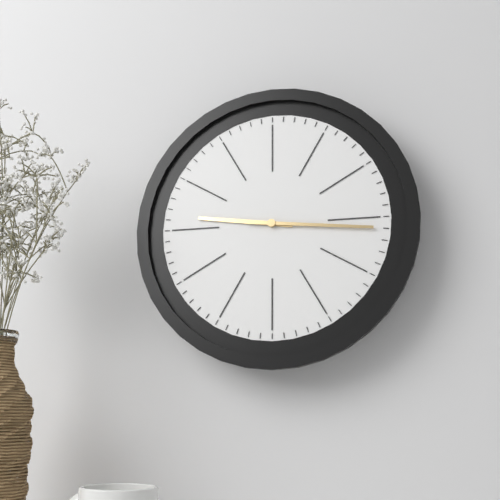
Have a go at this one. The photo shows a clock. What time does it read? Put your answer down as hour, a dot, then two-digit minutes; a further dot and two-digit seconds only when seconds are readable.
9.16
